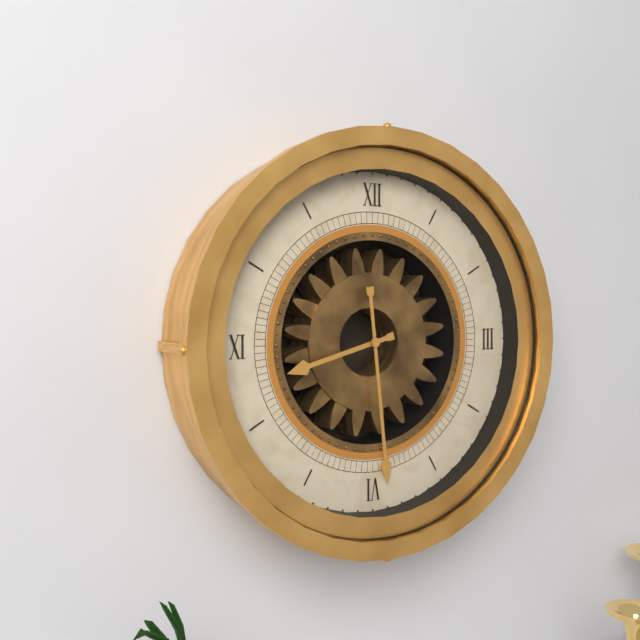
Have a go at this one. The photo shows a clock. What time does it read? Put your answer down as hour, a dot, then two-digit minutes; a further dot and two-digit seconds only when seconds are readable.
8.29
